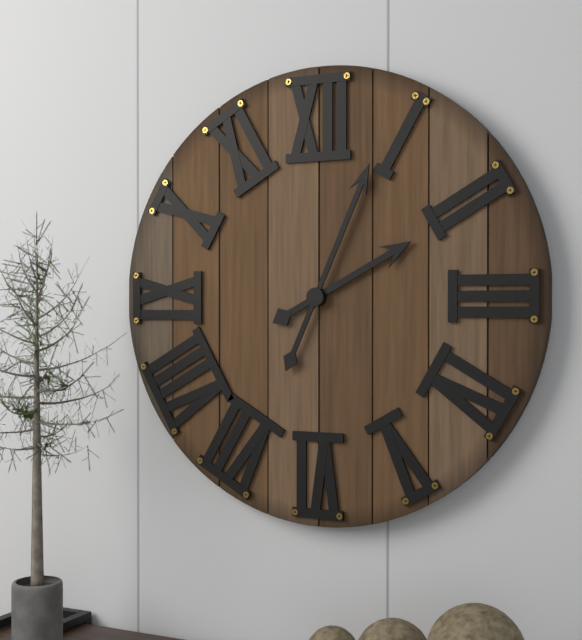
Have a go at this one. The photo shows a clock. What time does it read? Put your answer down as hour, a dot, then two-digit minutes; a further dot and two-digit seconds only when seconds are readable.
2.04
